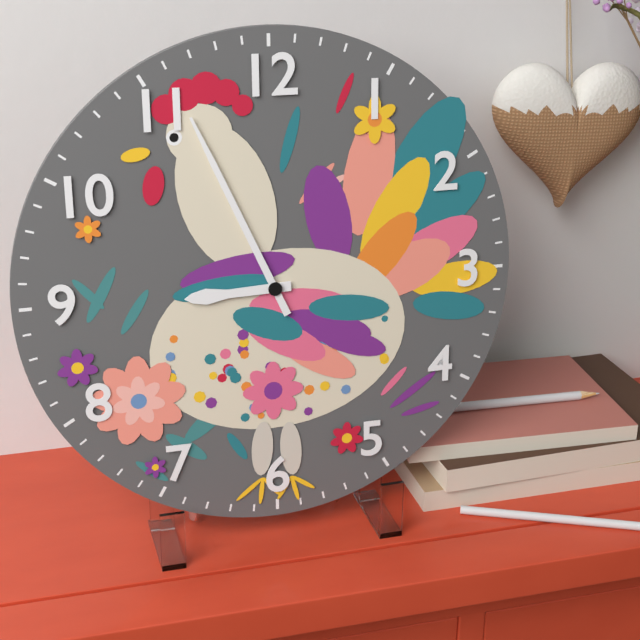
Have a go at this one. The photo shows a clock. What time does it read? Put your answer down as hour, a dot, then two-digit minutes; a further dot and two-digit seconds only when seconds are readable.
8.56
